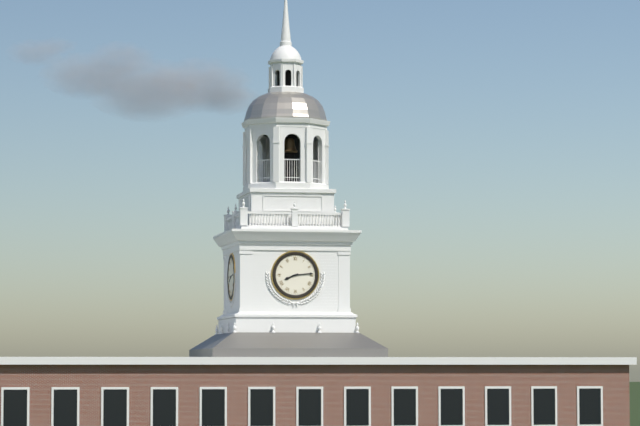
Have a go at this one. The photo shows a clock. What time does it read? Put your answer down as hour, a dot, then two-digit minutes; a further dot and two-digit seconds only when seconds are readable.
8.14
